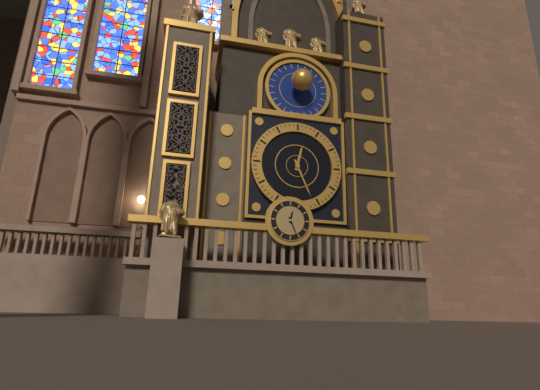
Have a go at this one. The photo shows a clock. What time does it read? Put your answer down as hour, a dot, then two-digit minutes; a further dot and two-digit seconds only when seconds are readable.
12.26
